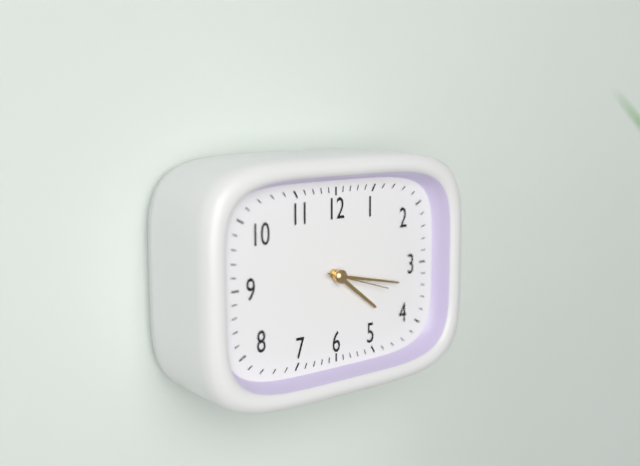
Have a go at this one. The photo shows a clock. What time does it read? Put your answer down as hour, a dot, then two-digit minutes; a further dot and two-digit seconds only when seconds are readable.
4.17.18
